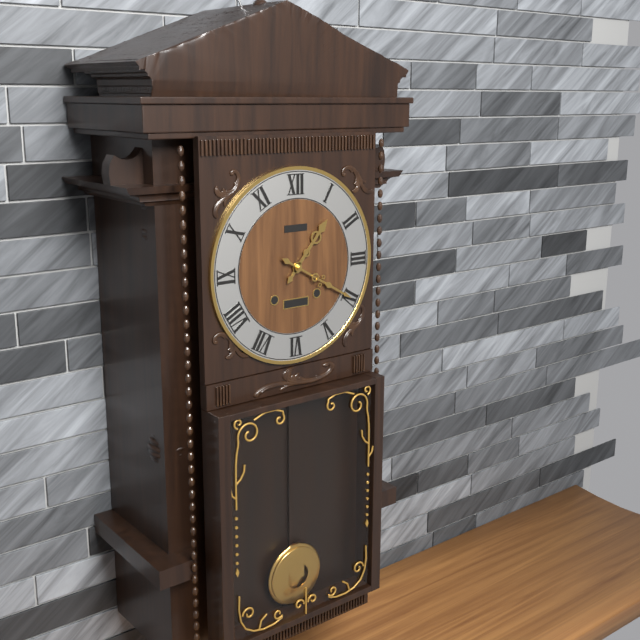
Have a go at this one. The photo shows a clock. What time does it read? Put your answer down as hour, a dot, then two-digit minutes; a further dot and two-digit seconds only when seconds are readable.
1.20
